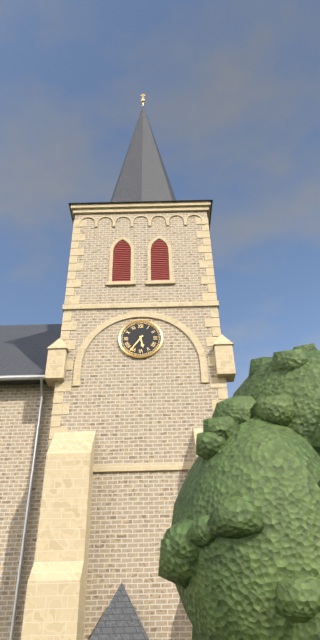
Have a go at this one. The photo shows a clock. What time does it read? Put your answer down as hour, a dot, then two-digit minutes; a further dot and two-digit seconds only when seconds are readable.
5.36
